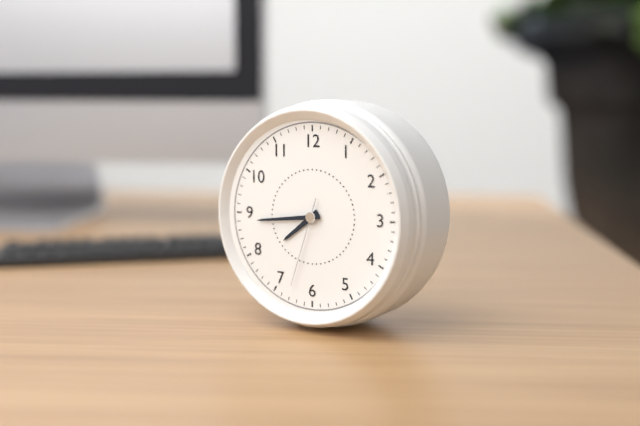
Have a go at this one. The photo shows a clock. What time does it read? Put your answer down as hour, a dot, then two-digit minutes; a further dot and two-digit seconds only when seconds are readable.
7.44.33
